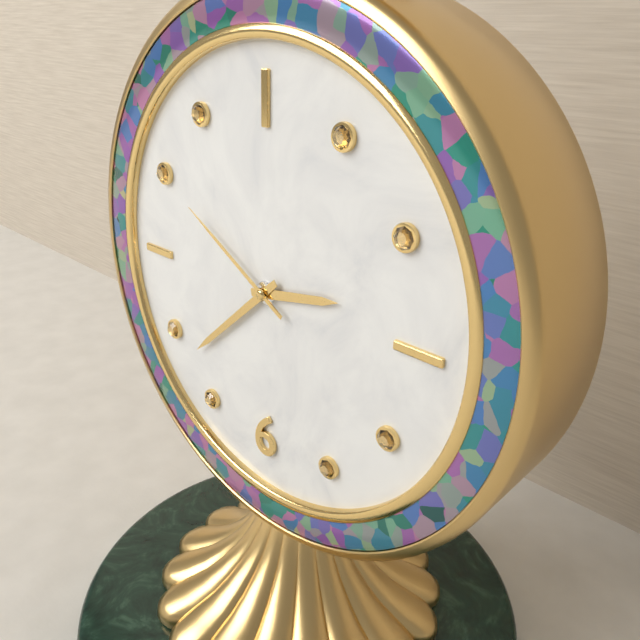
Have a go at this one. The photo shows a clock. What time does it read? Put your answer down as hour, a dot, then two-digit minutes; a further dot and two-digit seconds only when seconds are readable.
2.38.50
